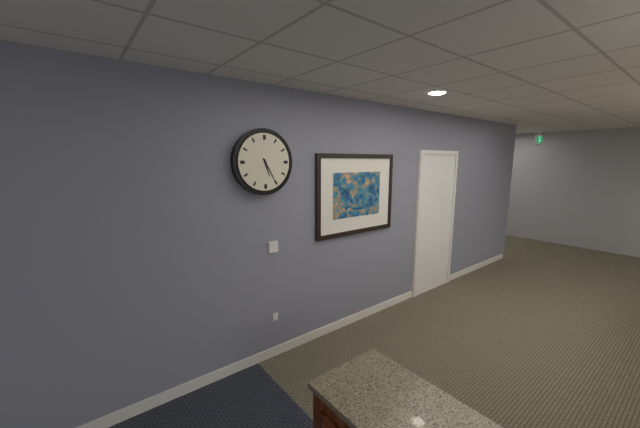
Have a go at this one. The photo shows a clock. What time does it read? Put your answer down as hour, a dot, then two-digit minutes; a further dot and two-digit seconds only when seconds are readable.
5.25
